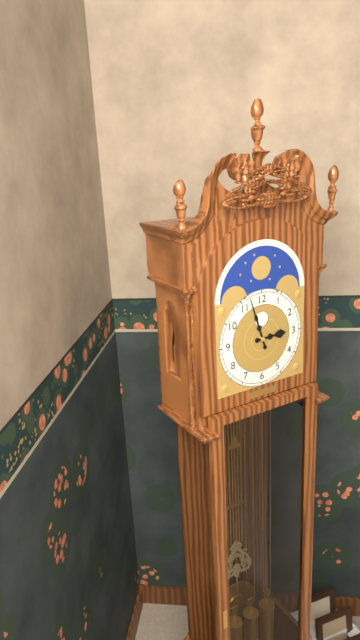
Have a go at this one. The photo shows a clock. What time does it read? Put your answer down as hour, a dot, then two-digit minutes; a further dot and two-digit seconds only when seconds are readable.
2.57
